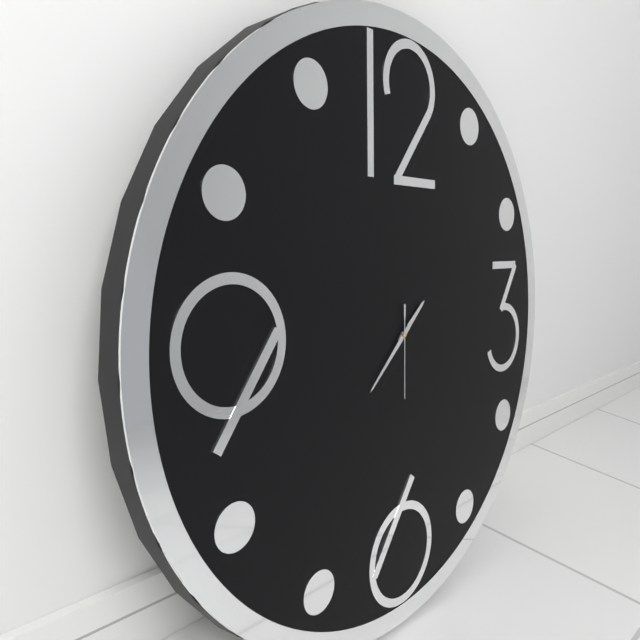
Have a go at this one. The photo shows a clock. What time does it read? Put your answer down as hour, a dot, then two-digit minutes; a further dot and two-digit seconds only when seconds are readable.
1.38.30
